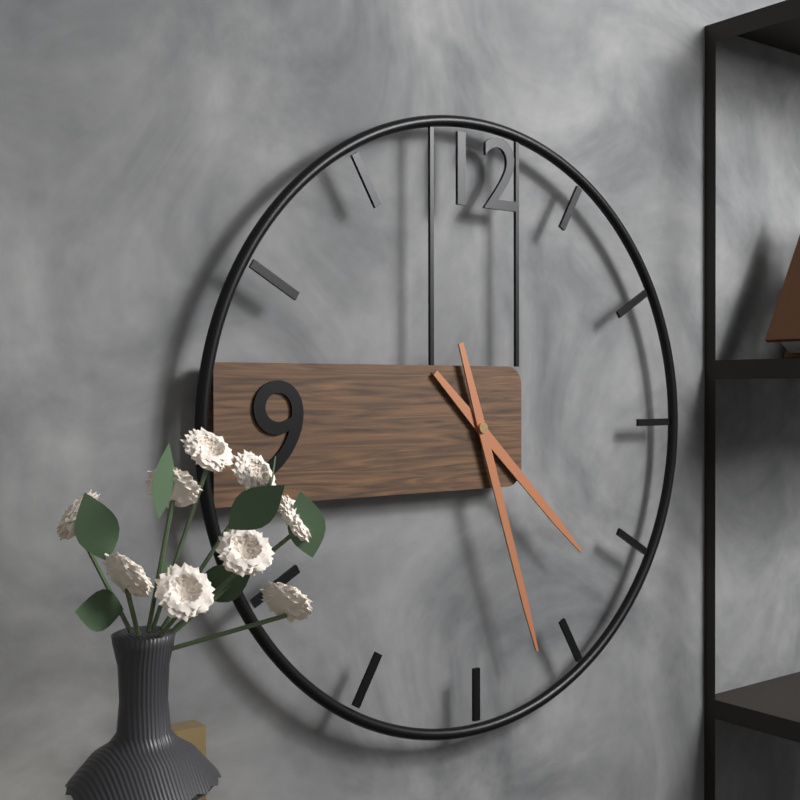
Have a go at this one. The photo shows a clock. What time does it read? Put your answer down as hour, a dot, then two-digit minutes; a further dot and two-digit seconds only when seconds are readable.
4.27
